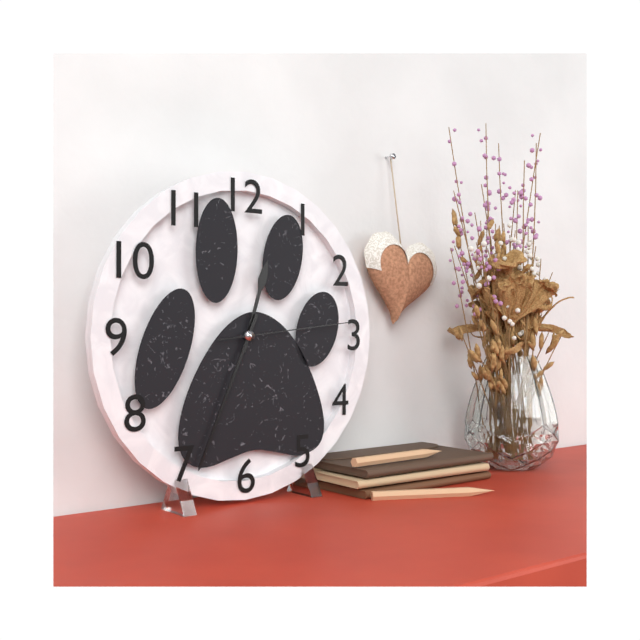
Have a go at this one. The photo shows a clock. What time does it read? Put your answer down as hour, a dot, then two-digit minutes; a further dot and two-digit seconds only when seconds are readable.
12.34.14
